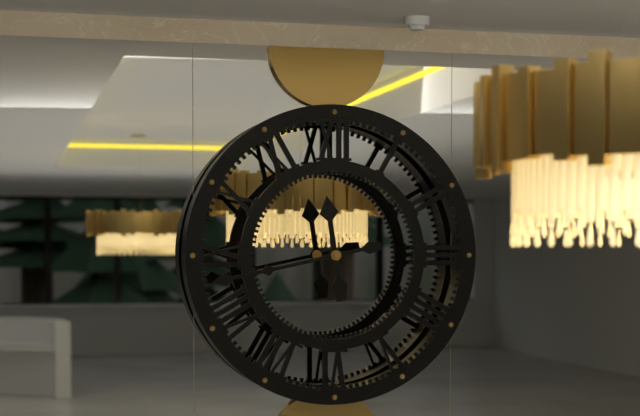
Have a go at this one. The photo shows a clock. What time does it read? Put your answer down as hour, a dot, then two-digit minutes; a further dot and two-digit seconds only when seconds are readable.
11.43
